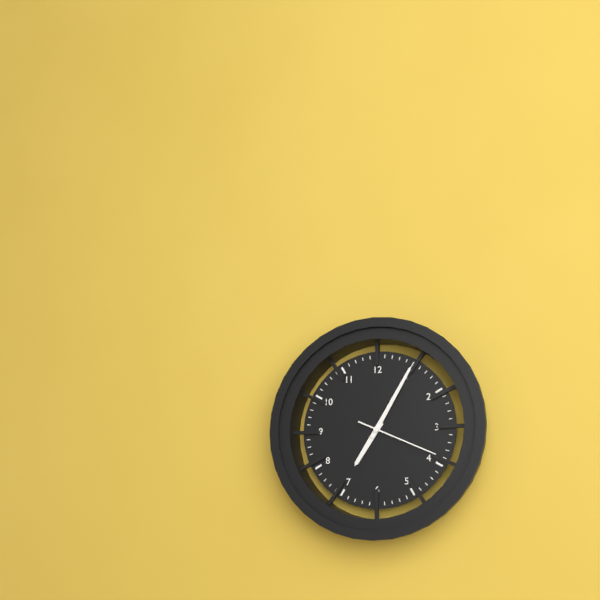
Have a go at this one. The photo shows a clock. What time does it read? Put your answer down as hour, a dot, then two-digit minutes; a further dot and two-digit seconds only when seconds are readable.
7.05.19
